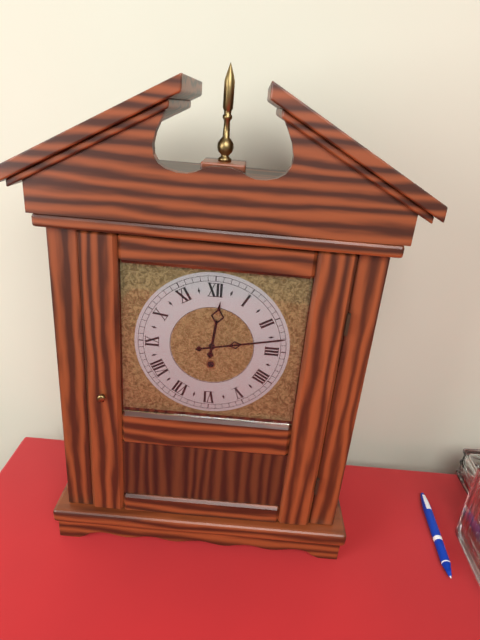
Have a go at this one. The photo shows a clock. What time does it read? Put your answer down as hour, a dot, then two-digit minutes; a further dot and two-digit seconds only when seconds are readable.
12.13
